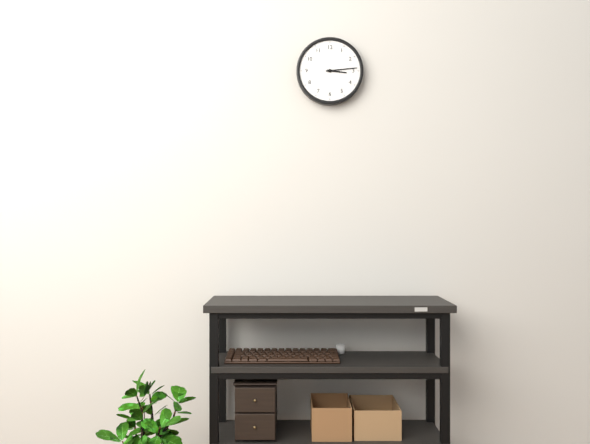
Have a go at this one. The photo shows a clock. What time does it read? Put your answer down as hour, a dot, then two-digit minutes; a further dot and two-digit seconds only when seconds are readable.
3.14
